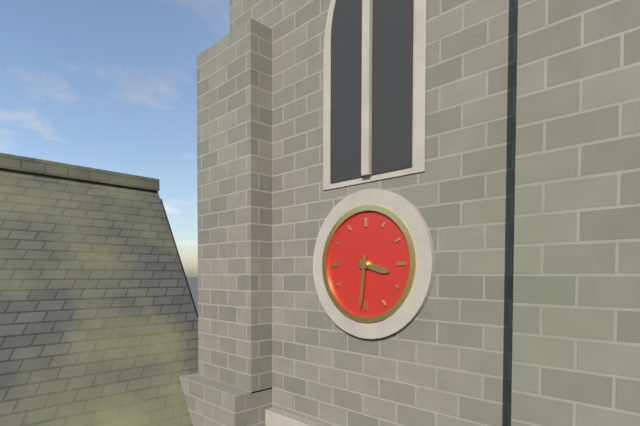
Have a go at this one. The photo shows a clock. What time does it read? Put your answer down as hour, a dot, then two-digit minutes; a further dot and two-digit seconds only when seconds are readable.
3.31
